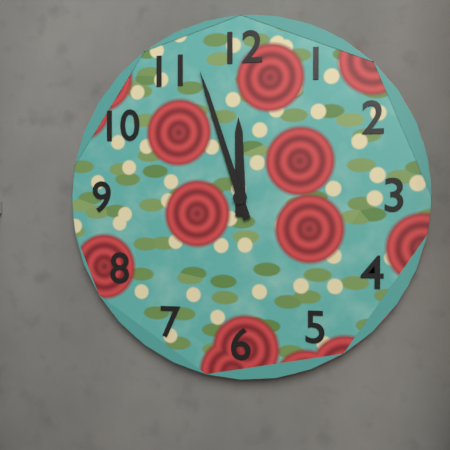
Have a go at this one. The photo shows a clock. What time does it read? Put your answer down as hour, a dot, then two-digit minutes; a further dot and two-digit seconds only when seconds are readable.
11.57
